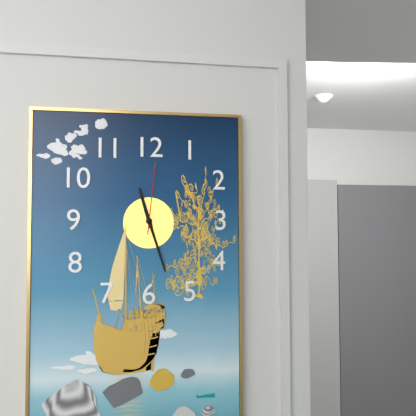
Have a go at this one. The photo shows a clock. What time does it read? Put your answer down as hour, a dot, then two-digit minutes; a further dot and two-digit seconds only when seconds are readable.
11.27.01
